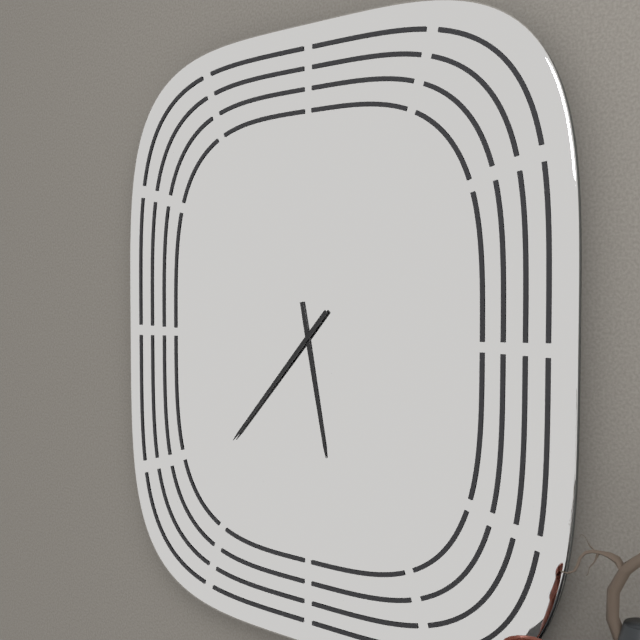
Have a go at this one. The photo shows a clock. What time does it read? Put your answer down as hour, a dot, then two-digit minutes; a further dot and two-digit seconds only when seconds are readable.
5.37
